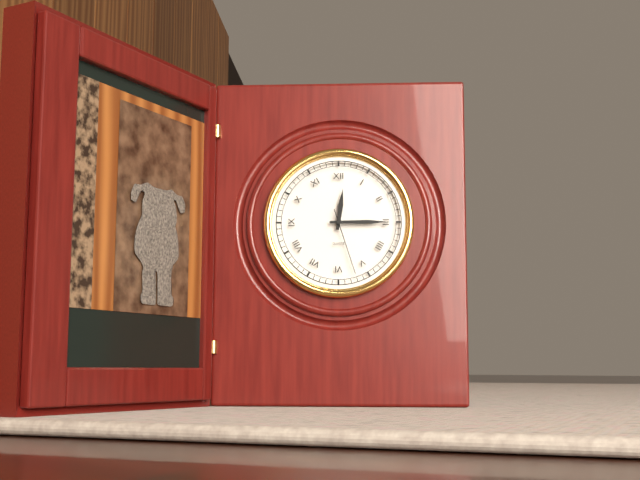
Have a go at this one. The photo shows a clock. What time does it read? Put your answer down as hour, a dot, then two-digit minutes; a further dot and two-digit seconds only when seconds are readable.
12.15.27
